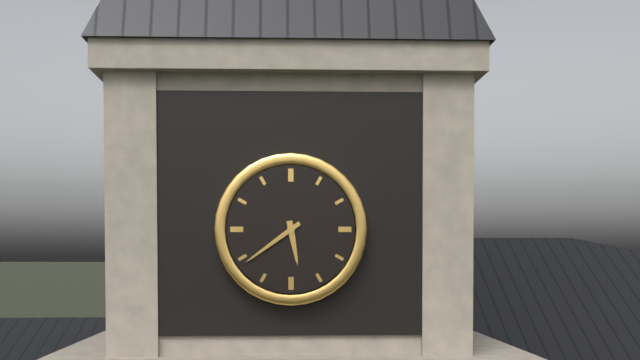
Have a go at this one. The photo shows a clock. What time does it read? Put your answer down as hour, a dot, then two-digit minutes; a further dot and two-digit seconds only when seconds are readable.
5.39
